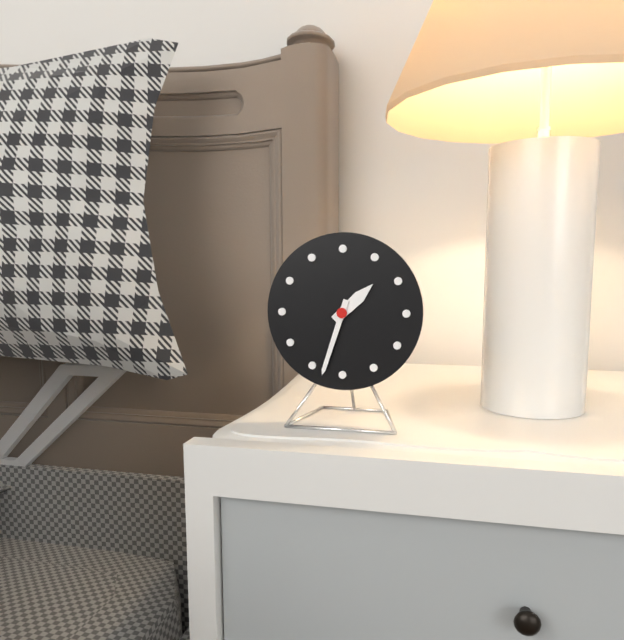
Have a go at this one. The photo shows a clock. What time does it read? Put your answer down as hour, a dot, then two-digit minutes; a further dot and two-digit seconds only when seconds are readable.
1.33
